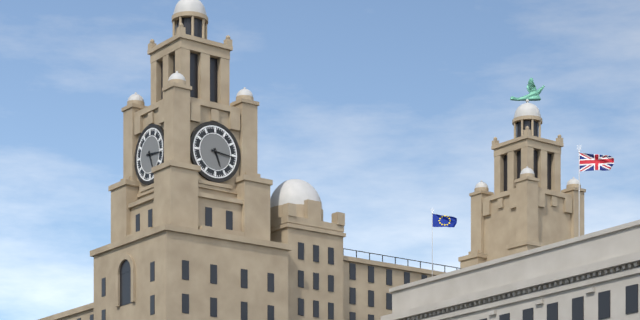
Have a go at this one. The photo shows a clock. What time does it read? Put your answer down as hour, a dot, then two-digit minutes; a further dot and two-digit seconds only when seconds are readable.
5.16
